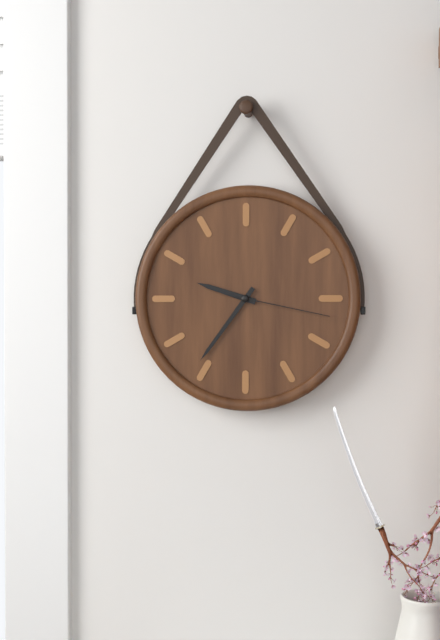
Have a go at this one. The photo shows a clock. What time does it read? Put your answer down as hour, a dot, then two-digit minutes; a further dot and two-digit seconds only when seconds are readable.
9.36.17
